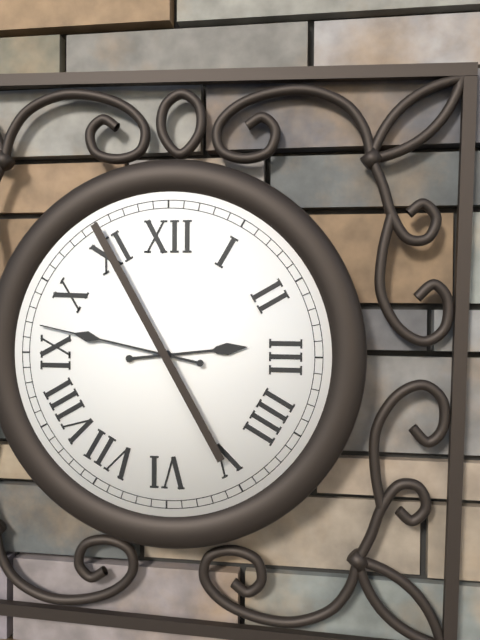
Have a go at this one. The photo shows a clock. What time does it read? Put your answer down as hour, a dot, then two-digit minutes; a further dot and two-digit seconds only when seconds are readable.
2.47
